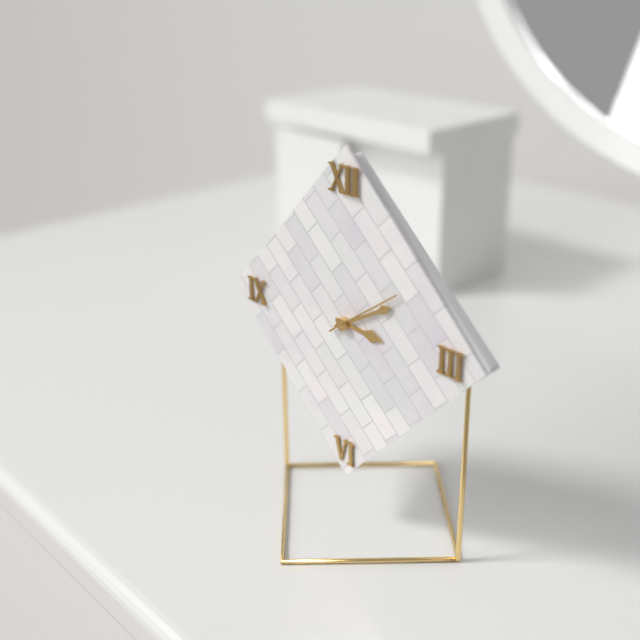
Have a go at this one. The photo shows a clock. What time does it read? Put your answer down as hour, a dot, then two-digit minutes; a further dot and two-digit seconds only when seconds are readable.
3.10.09
